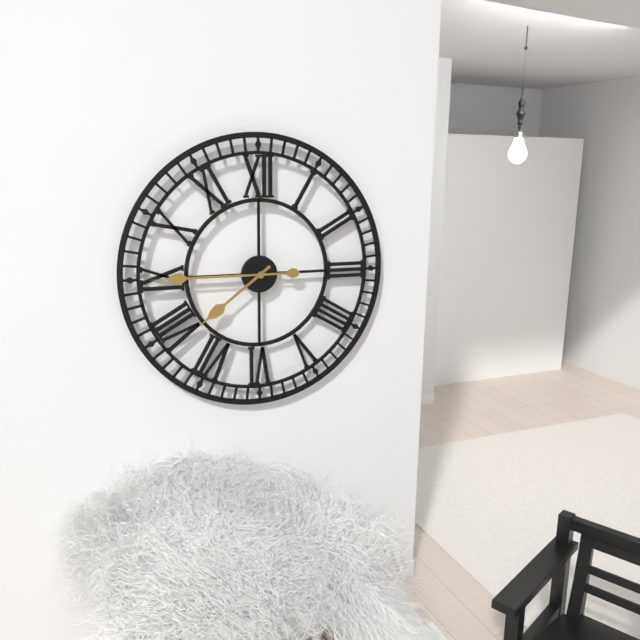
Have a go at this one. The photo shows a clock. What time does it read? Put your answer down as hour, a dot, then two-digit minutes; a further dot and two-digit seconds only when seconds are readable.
7.45
